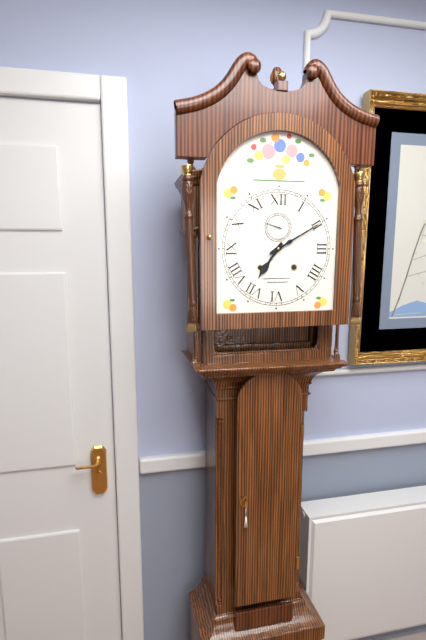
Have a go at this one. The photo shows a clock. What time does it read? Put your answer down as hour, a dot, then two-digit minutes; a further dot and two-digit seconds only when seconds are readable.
7.10
